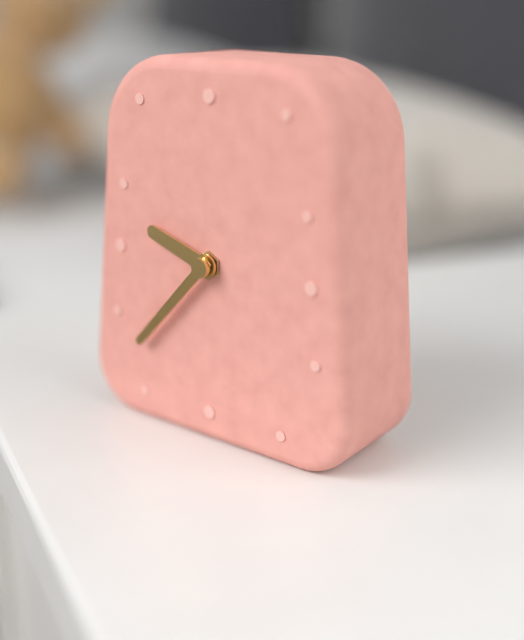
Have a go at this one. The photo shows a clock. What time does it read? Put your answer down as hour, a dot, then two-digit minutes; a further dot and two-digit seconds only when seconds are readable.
9.37
